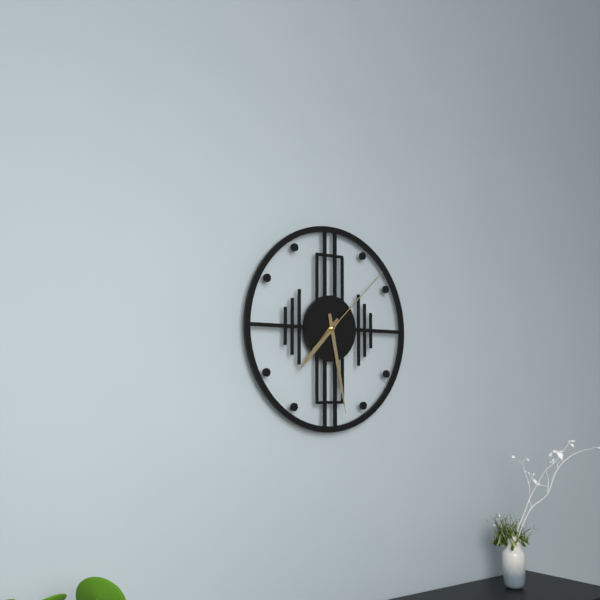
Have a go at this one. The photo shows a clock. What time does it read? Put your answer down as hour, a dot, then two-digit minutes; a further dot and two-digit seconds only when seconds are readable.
7.28.08
